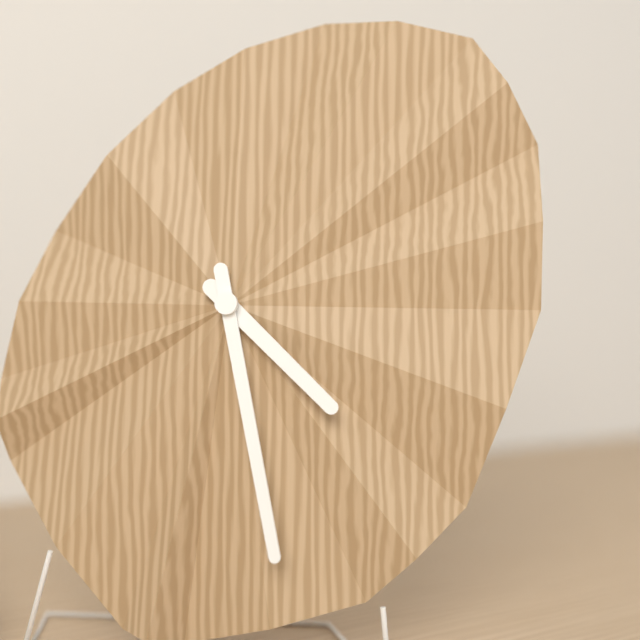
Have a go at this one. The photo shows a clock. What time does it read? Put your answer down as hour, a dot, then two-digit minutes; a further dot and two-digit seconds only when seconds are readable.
4.28
